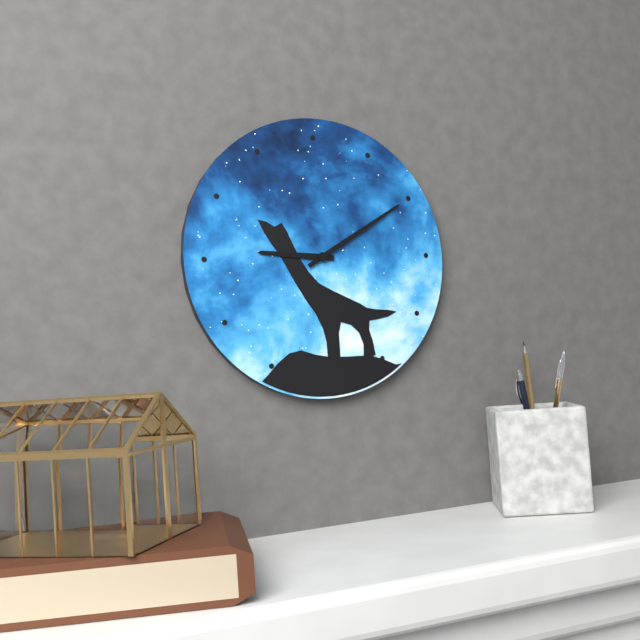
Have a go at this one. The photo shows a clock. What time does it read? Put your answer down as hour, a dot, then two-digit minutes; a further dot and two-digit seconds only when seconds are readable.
9.10
